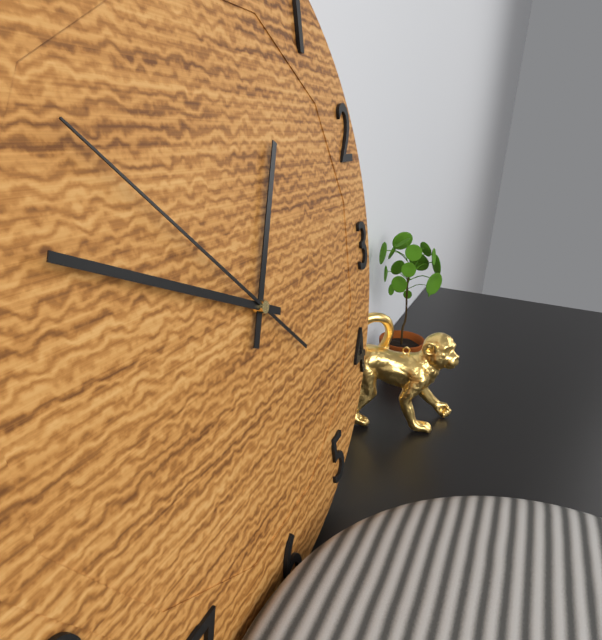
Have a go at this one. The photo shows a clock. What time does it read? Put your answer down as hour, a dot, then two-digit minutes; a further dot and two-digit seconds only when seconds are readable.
12.49.52
